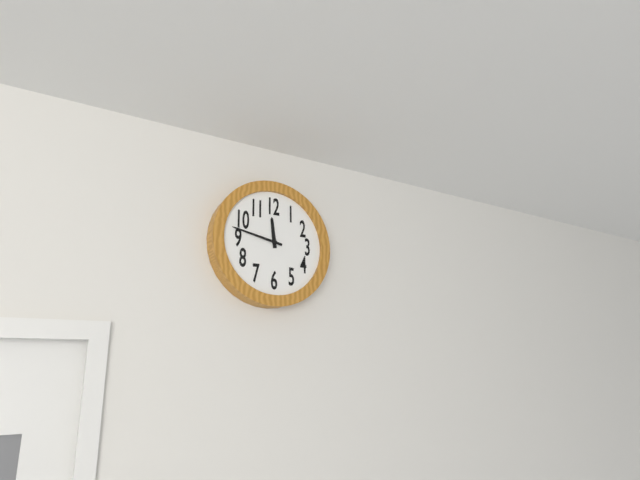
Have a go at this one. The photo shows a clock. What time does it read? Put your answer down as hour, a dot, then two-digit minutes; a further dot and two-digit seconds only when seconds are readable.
11.47
